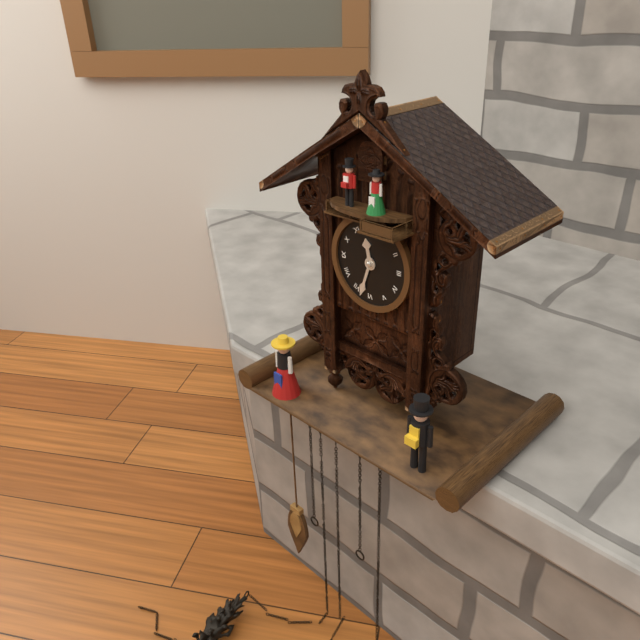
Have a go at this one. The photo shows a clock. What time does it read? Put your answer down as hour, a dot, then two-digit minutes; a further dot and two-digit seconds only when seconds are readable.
11.33
